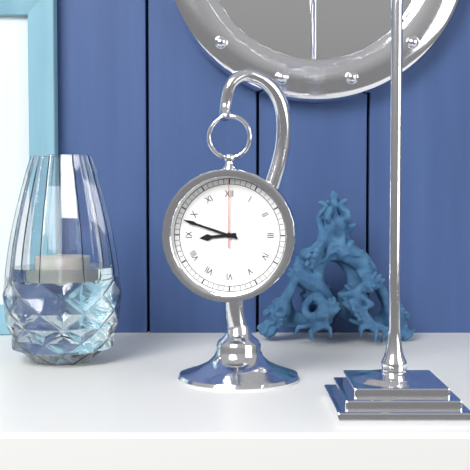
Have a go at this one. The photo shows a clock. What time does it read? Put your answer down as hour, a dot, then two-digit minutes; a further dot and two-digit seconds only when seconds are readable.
8.48.00
